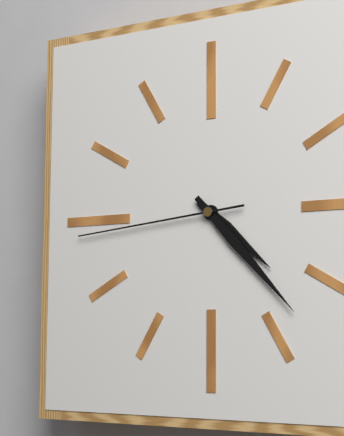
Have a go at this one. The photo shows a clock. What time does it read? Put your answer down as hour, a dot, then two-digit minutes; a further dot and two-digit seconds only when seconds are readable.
4.23.44
